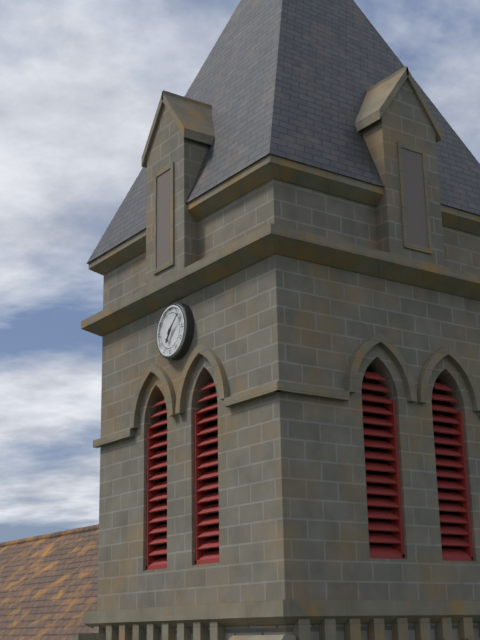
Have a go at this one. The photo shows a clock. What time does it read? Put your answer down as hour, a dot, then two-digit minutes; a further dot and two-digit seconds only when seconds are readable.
7.08
